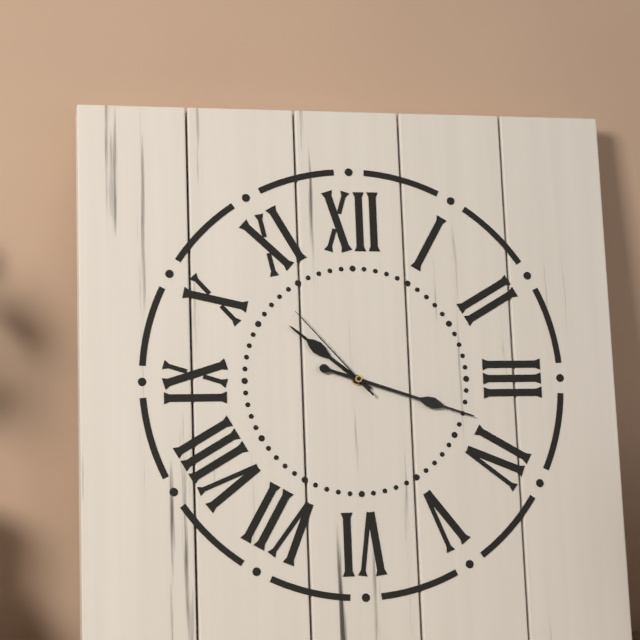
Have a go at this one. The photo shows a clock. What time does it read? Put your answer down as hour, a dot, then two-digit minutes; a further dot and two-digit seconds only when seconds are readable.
10.18.53
